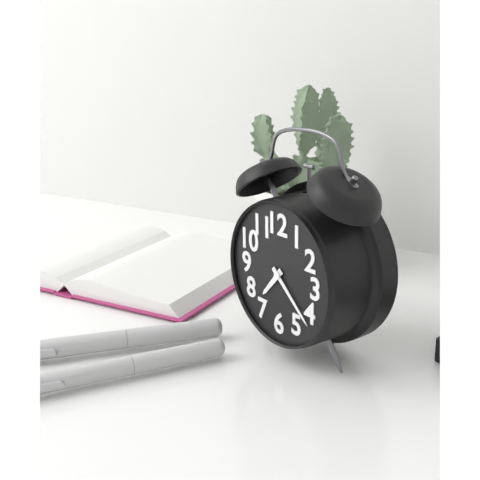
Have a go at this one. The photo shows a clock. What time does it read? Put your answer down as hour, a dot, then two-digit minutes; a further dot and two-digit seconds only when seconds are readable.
7.22
